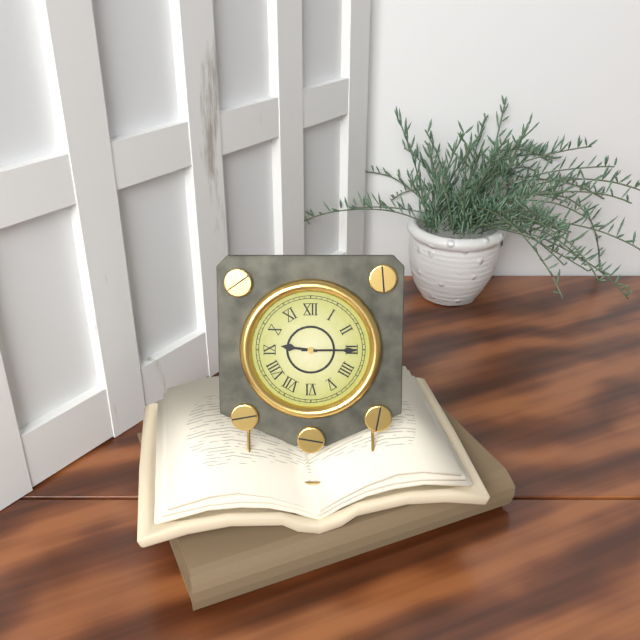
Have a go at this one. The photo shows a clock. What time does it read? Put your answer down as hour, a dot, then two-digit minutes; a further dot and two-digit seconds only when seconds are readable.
9.15
